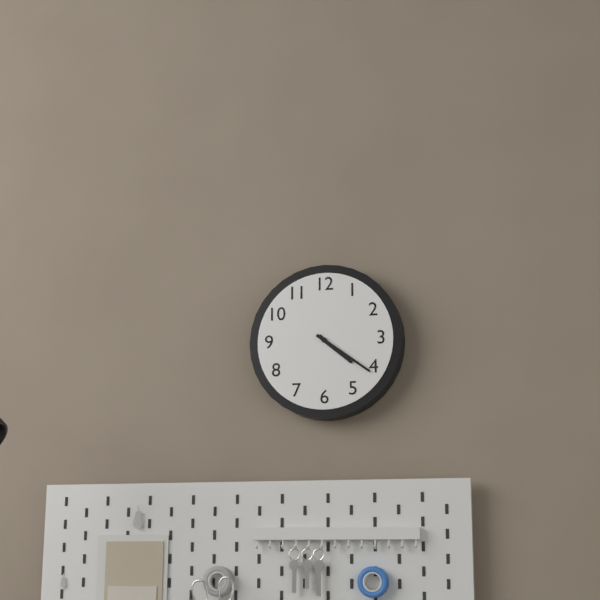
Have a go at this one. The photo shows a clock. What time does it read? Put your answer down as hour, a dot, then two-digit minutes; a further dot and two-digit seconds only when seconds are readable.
4.21
